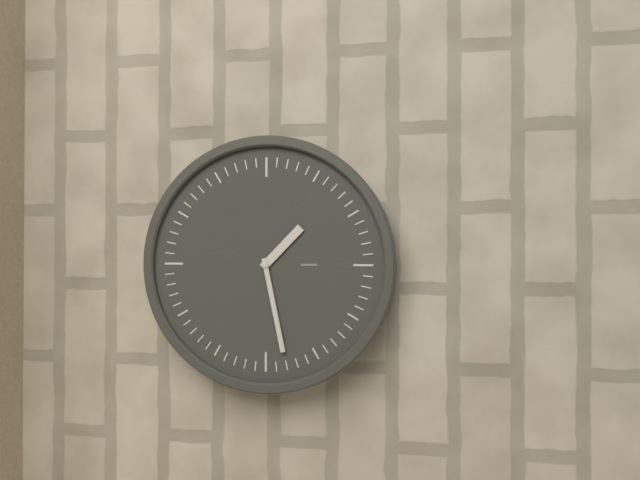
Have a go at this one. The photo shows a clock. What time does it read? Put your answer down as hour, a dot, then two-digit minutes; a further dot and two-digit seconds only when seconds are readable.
1.28
